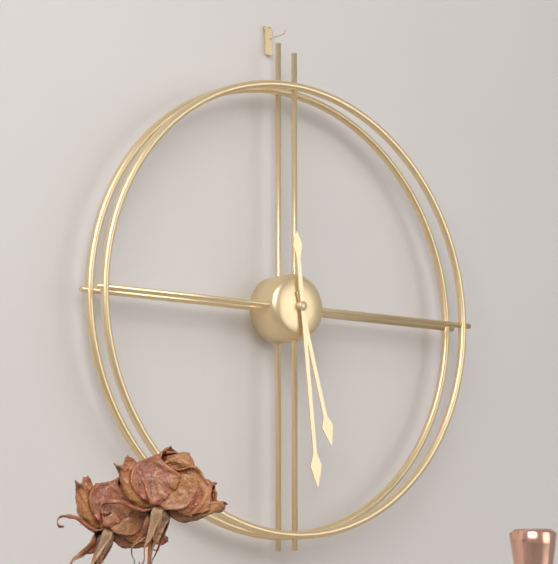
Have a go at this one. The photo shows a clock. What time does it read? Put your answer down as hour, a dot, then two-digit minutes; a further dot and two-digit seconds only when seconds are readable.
5.29
